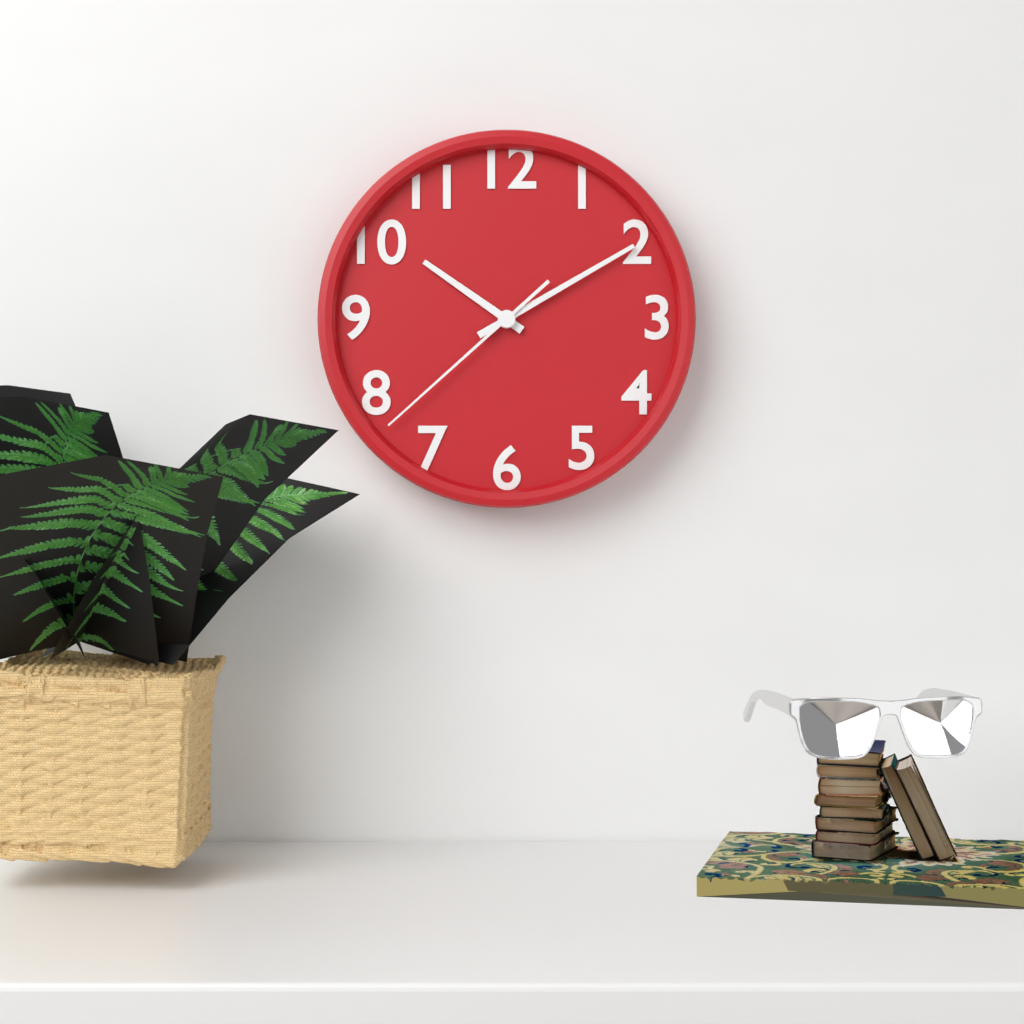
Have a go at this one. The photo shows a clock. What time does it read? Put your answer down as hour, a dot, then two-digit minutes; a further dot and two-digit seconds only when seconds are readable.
10.10.38
